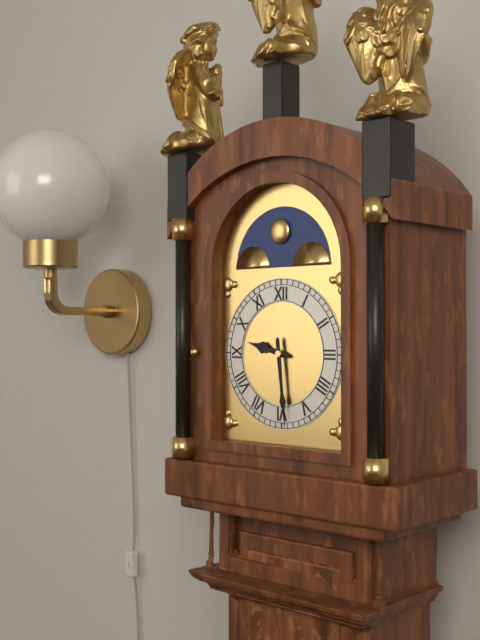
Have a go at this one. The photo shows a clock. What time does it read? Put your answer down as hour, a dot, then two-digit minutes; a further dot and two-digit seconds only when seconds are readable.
9.29
